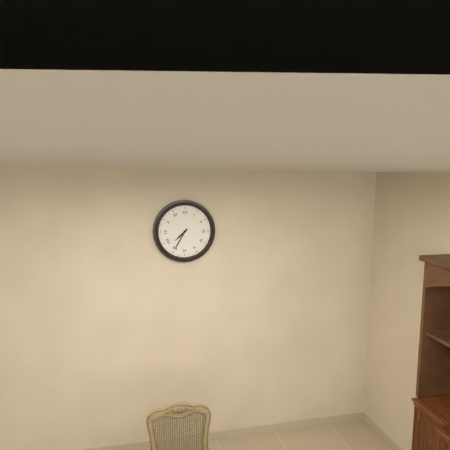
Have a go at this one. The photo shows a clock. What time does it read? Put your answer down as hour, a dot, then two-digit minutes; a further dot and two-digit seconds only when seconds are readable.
7.35
